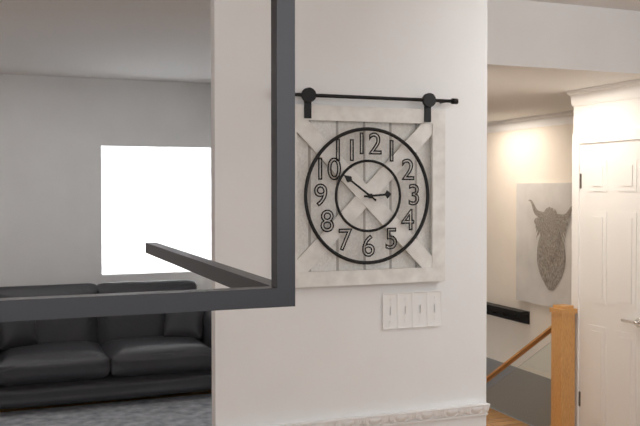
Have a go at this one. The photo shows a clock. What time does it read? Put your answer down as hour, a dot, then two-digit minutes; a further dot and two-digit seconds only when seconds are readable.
2.51
